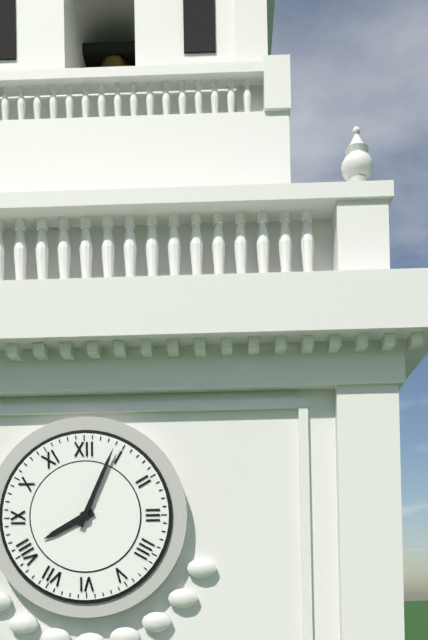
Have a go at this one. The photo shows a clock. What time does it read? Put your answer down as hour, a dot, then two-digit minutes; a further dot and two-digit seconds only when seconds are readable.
8.04
